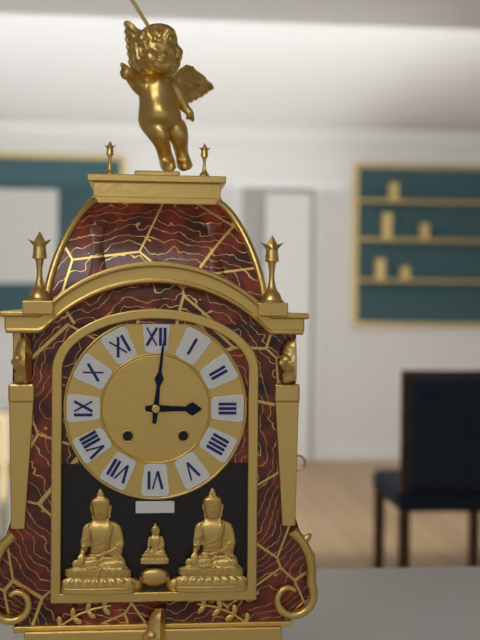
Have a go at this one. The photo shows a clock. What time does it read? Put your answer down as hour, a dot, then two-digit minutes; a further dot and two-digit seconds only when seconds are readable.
3.01
